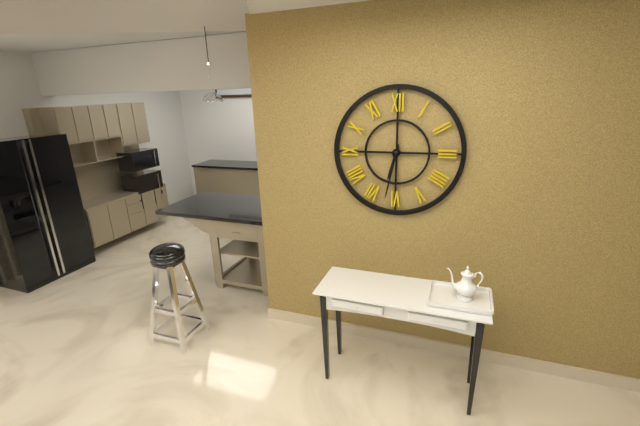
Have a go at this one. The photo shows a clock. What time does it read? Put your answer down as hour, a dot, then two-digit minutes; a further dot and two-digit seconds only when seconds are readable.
6.32
